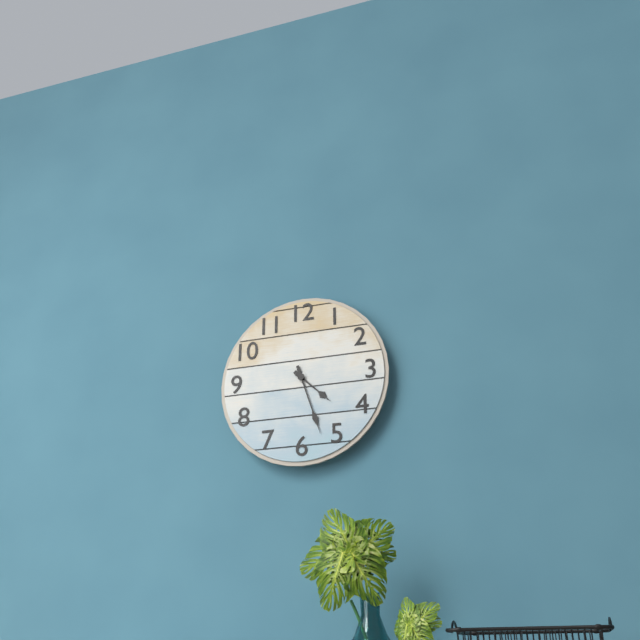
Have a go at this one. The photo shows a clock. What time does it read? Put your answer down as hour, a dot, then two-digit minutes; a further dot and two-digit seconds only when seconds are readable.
4.27
